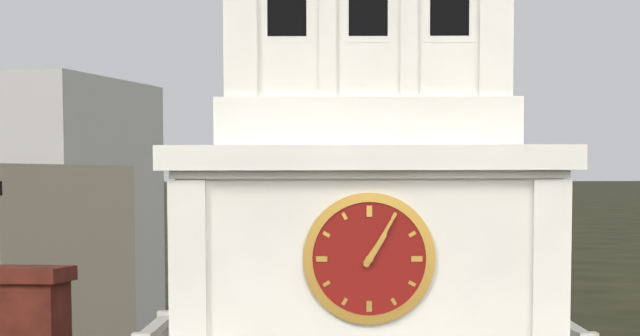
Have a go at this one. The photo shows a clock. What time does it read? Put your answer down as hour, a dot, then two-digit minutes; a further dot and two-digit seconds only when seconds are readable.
1.05
